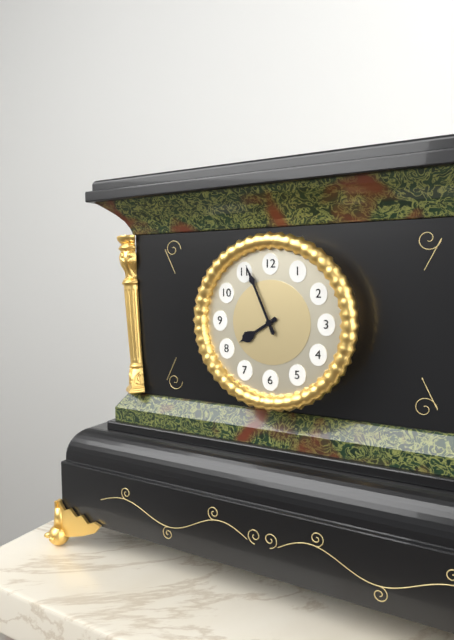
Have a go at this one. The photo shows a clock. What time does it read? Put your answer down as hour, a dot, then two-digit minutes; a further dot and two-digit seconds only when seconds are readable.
7.56
